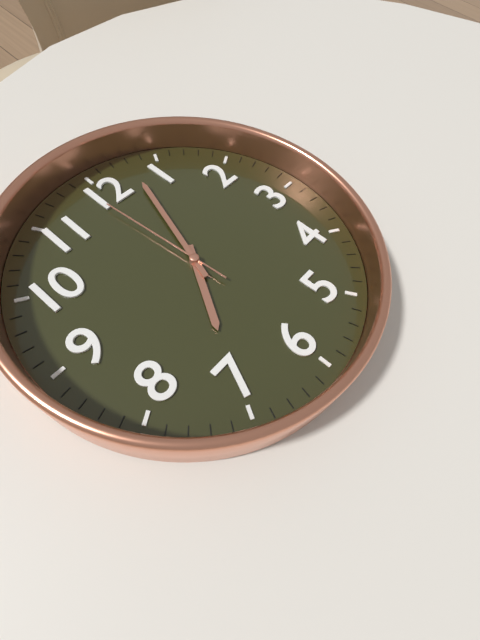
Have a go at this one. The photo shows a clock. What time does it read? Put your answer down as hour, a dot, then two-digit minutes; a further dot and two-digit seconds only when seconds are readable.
7.03.59
